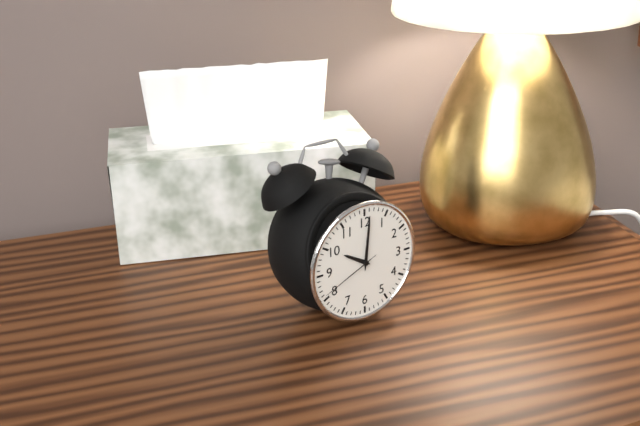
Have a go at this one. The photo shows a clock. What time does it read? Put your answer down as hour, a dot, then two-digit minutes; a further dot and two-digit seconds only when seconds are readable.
10.01.41
